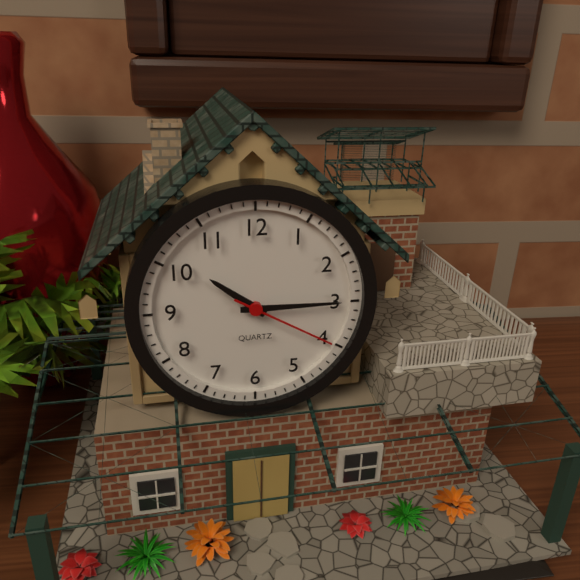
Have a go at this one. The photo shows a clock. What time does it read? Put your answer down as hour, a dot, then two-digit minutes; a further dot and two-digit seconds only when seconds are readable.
10.15.20
